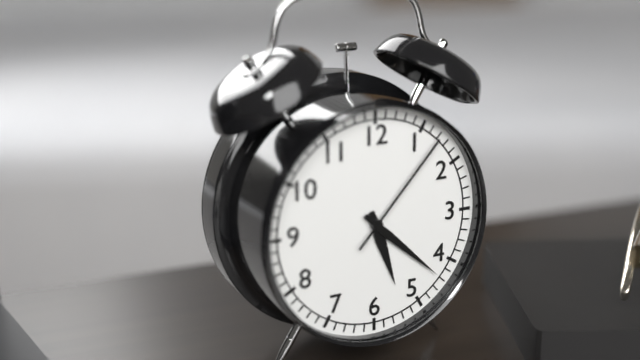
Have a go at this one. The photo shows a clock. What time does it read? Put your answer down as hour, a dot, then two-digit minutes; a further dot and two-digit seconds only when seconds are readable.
5.22.07
